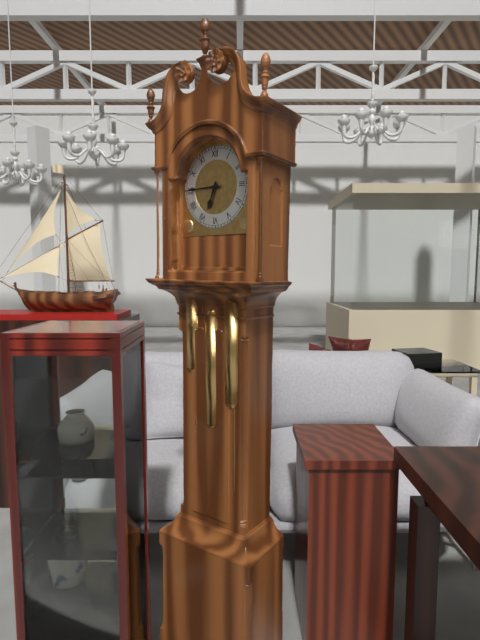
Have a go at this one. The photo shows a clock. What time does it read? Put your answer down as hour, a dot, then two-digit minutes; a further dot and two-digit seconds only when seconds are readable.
6.45
